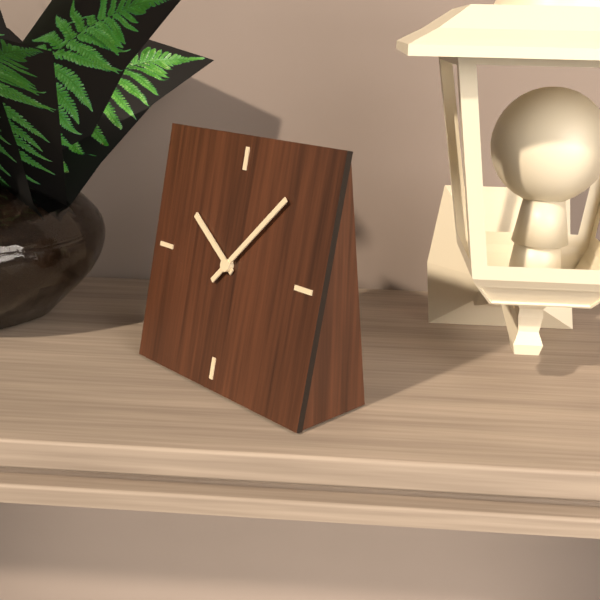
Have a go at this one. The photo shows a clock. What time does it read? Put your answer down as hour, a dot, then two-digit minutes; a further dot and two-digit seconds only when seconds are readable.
10.07
